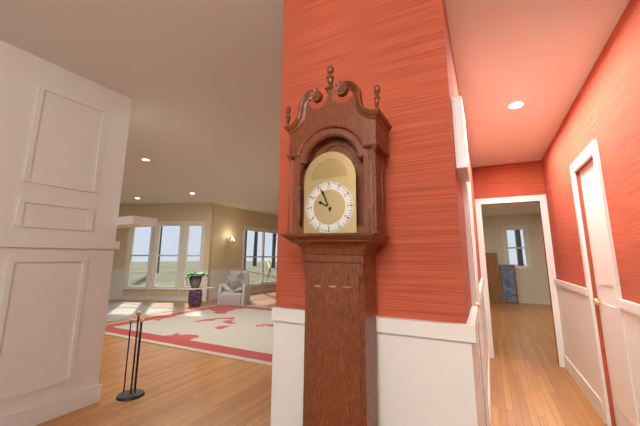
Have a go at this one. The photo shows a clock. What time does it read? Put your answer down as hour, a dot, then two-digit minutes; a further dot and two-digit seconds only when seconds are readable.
9.56
